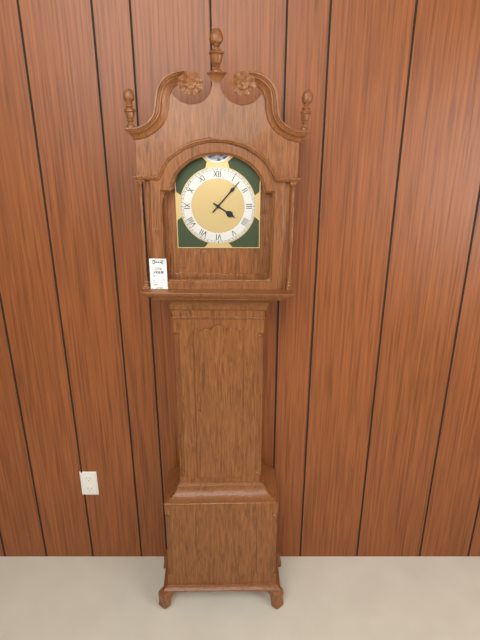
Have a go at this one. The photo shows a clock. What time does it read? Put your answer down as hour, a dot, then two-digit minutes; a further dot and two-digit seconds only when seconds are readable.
4.07
